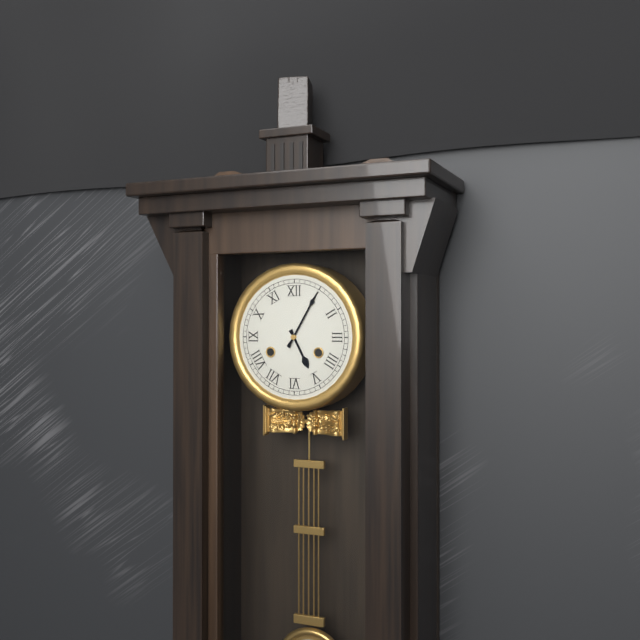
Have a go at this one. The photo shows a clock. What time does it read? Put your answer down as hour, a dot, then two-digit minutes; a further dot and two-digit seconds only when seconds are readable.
5.05
